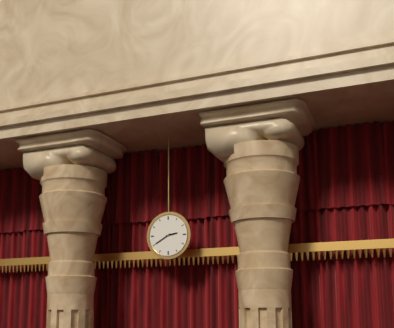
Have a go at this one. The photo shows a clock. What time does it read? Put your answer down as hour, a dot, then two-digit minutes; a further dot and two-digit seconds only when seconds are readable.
2.40
